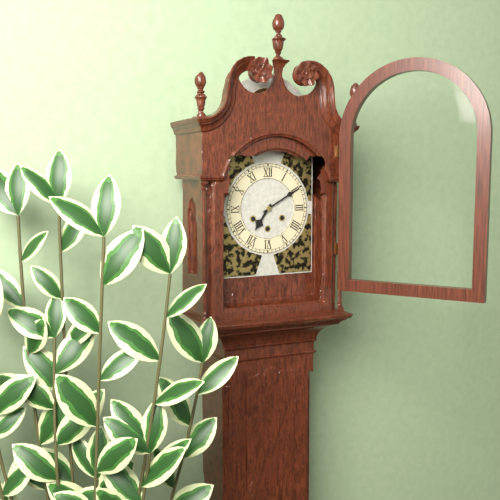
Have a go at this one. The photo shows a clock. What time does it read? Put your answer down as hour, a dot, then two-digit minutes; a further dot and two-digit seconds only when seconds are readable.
7.10
